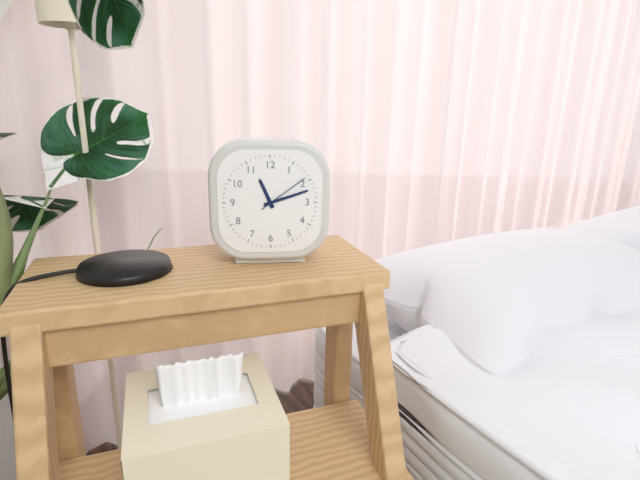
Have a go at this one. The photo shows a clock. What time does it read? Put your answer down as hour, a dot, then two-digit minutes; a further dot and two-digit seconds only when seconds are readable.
11.12.09
